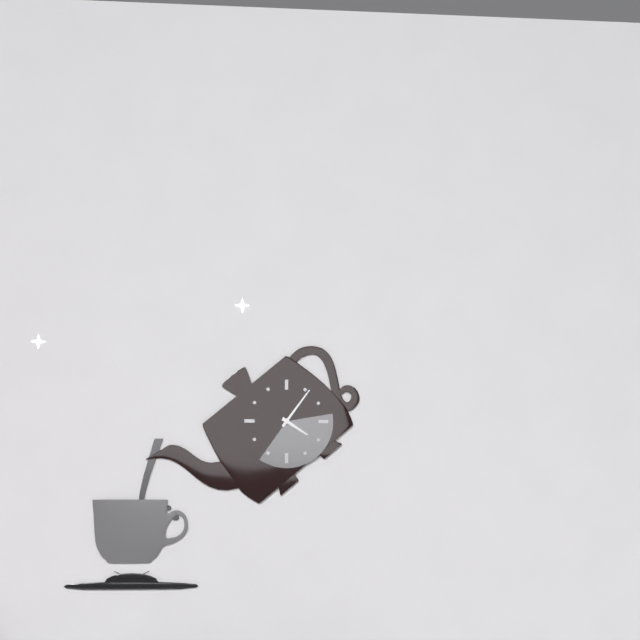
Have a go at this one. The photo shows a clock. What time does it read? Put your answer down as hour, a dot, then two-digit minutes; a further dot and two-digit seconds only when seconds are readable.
4.06
